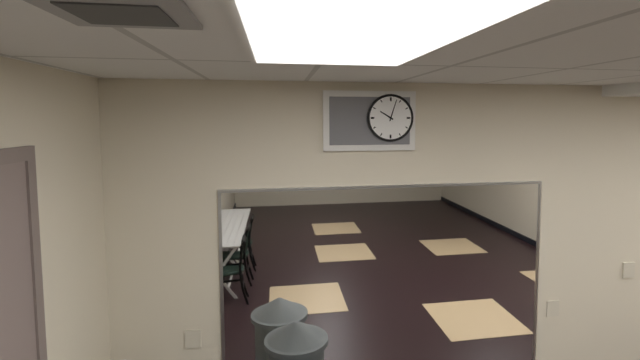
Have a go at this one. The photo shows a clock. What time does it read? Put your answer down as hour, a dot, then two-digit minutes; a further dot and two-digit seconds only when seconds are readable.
10.03
